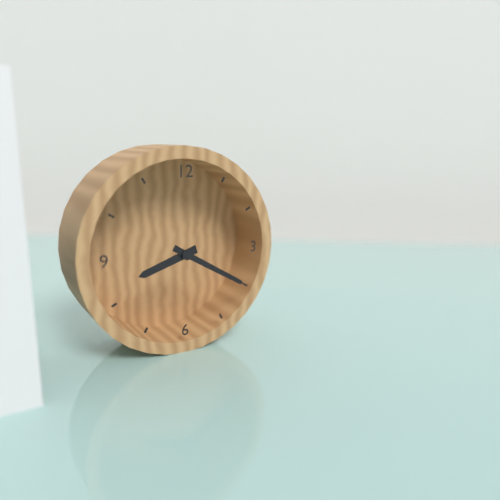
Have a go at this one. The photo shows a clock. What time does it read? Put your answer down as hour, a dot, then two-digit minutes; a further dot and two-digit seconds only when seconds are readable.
8.20
